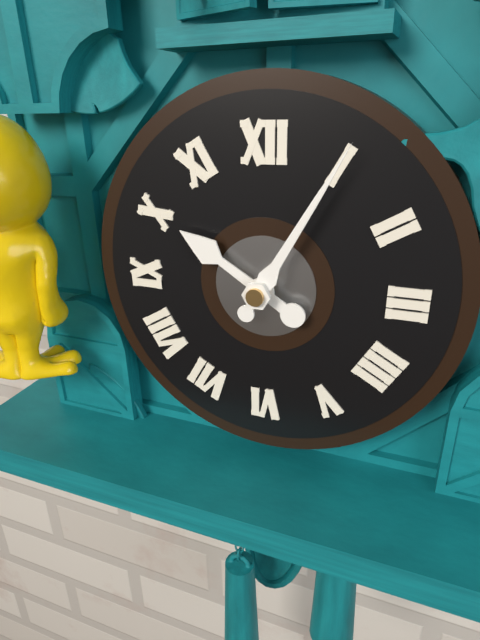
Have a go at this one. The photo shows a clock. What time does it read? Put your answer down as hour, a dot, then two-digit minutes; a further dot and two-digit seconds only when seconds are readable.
10.05
